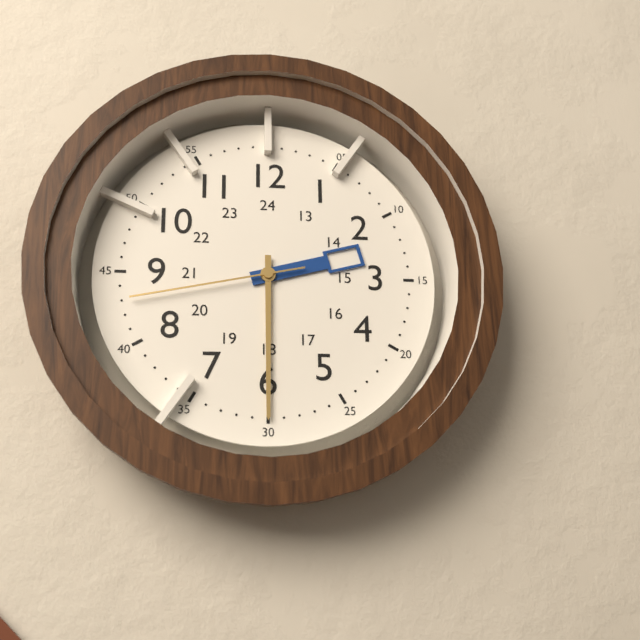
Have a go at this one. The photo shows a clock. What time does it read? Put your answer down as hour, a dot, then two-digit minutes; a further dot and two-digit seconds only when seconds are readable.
2.30.43
